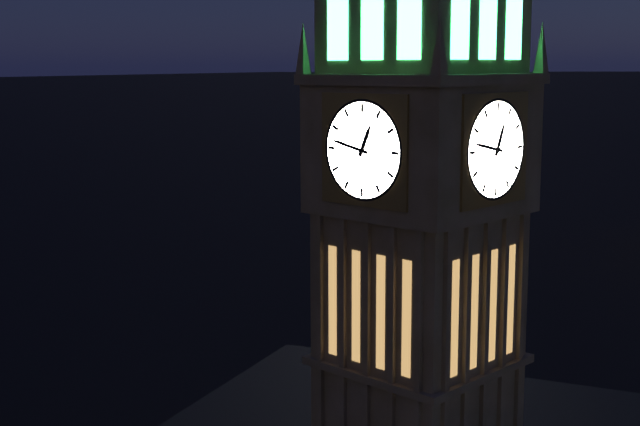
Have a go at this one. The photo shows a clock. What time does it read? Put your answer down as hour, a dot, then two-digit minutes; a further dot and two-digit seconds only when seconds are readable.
12.47
